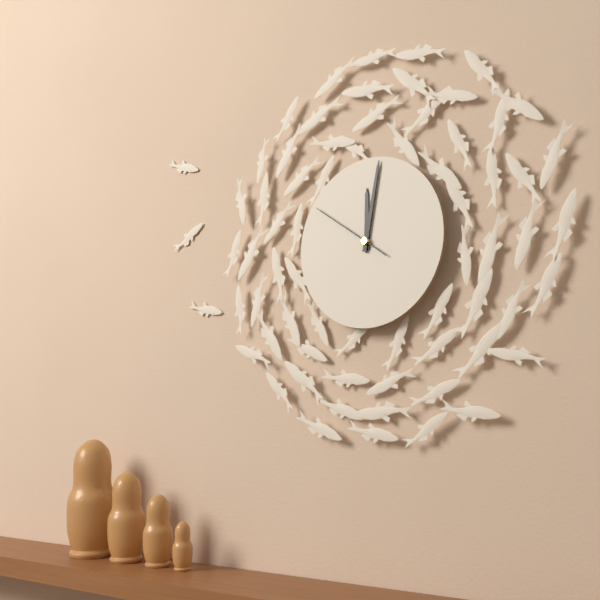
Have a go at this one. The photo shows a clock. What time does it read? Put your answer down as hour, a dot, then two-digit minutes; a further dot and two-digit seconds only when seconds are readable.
12.02.51
